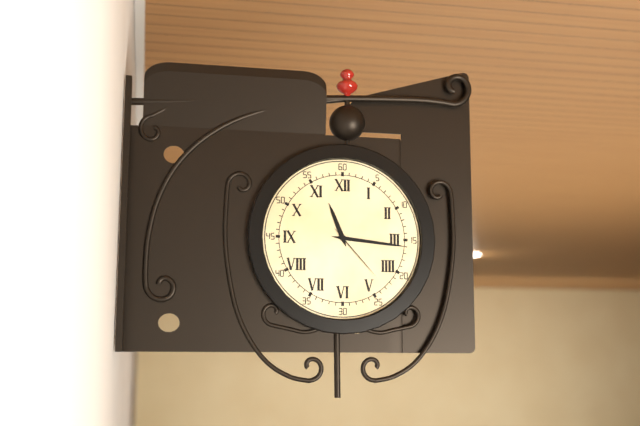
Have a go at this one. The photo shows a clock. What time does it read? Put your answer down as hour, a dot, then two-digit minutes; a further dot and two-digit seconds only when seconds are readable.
11.16.23
